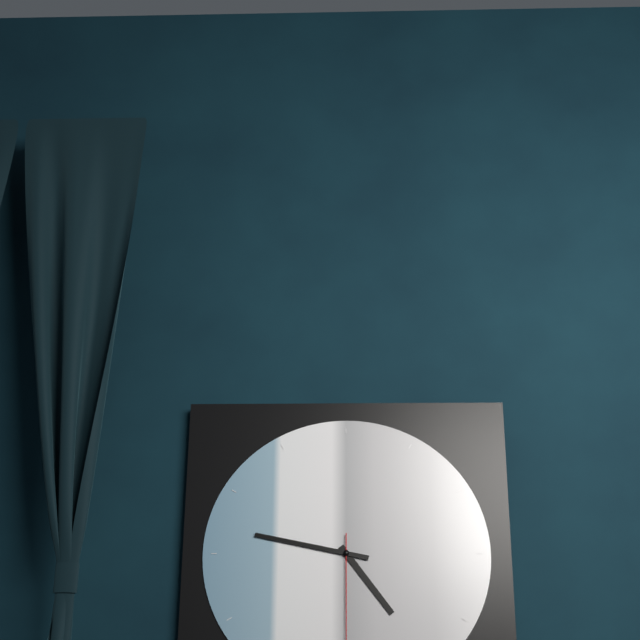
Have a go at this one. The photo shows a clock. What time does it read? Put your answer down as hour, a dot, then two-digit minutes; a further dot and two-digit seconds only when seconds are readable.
4.47.30
